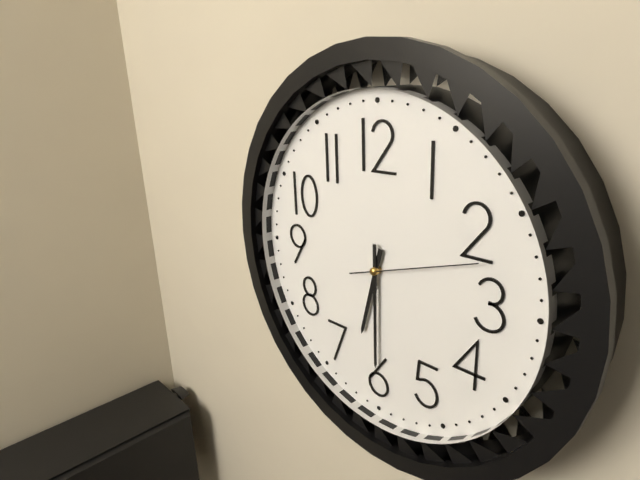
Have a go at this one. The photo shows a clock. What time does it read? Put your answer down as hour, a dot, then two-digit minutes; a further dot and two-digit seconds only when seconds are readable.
6.30.12
